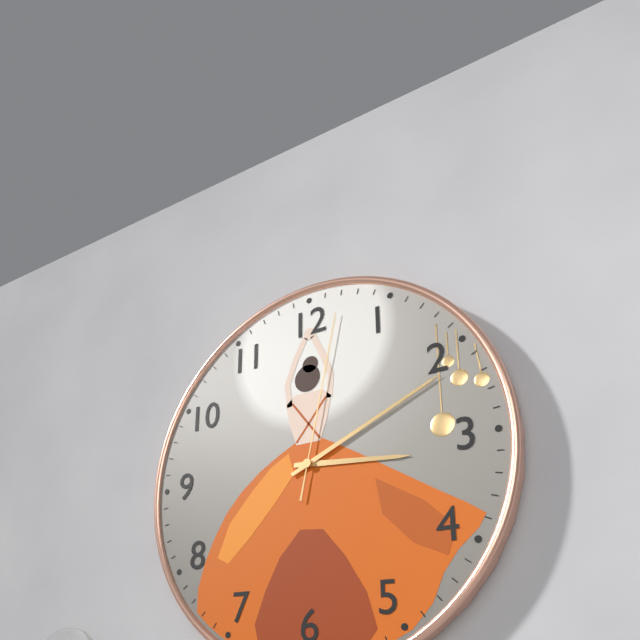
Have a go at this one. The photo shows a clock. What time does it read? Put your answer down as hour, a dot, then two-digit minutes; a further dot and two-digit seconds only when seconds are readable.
3.11.02
